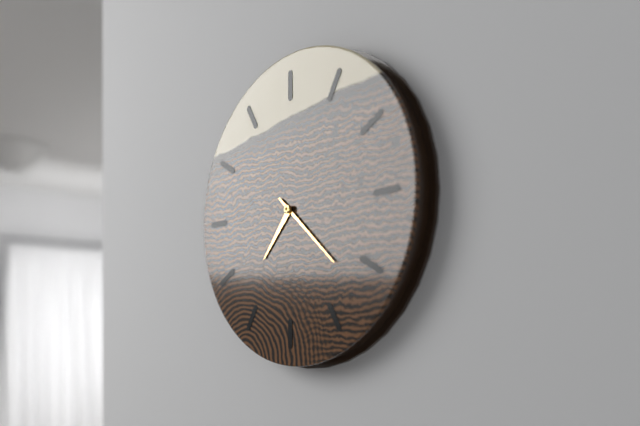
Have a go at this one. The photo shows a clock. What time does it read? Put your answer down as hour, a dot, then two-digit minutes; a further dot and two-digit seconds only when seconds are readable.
7.22
